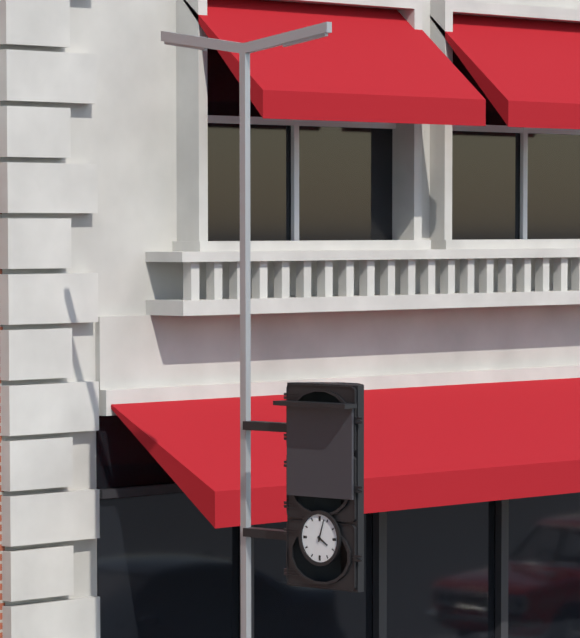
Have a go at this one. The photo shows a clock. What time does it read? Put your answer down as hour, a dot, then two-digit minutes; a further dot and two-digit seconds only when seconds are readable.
4.03
